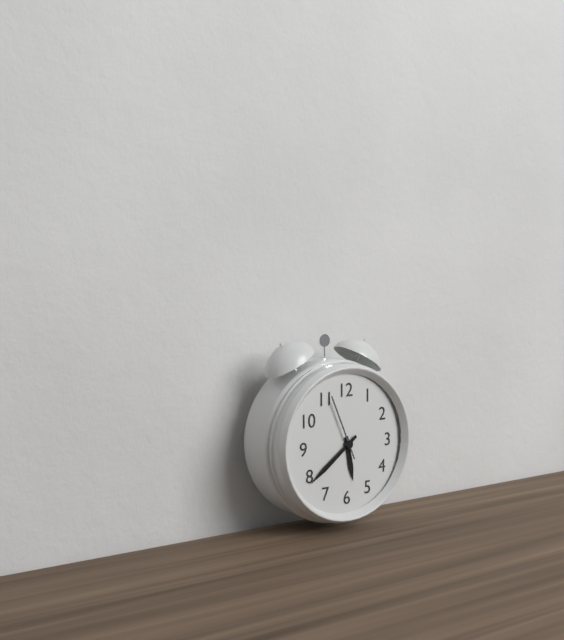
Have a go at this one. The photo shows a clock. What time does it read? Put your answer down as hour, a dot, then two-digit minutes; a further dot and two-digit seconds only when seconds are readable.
5.39.56
